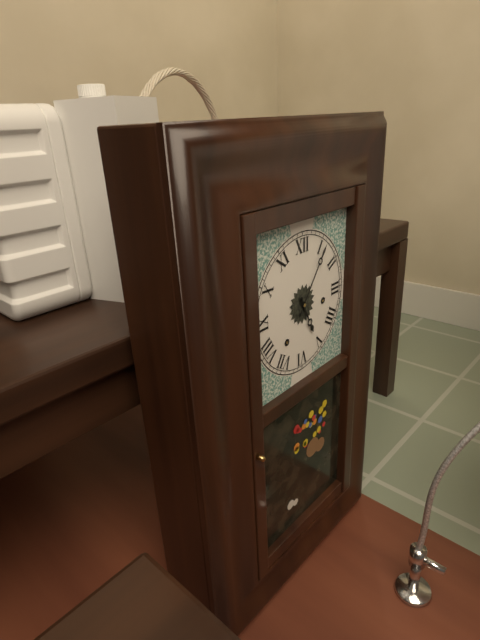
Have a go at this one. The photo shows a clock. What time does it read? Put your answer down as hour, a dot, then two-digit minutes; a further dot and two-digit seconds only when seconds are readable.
5.06
